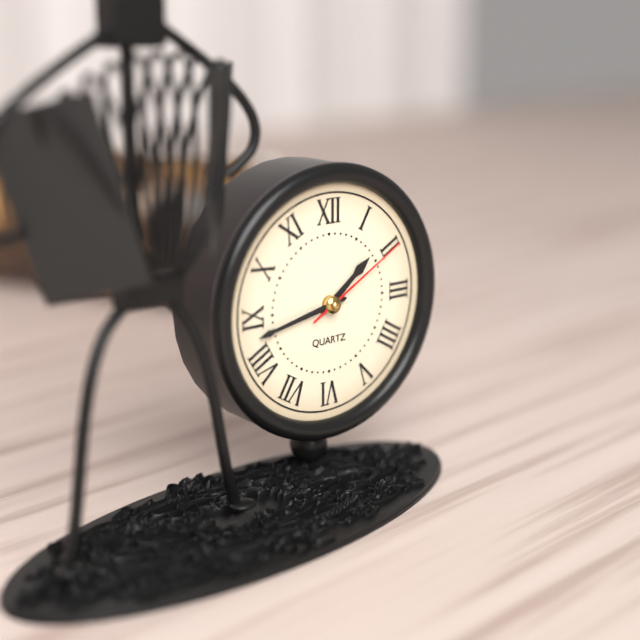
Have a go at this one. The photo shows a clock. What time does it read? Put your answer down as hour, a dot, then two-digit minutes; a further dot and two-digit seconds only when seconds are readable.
1.43.10
